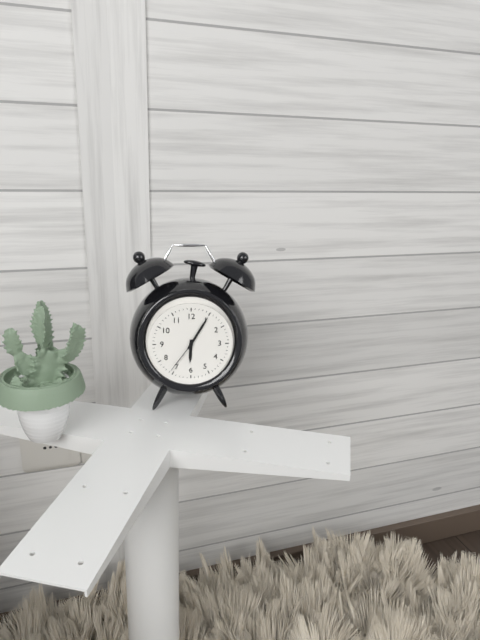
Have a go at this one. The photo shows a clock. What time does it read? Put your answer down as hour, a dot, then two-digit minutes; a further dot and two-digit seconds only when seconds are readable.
6.05
